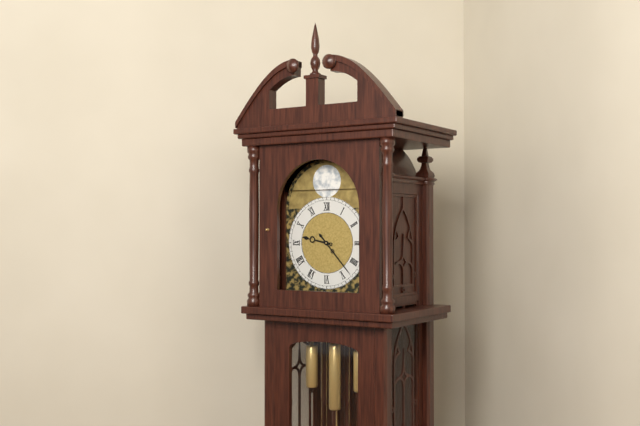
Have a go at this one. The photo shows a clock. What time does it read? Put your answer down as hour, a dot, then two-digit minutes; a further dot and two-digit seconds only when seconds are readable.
9.23
